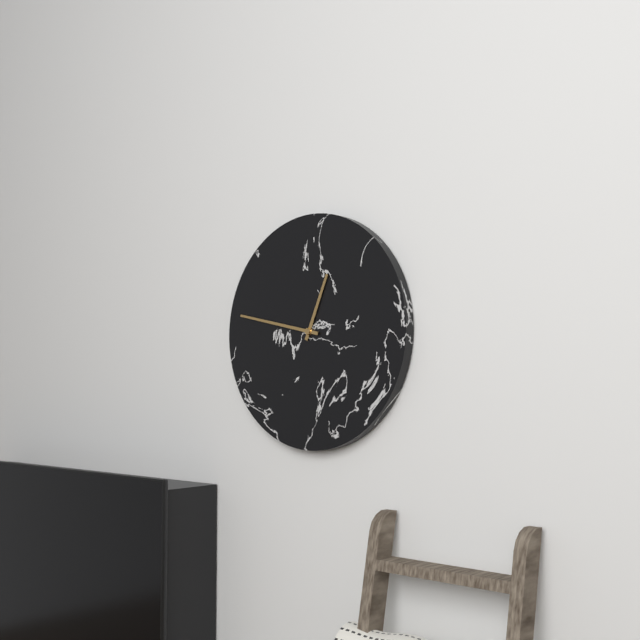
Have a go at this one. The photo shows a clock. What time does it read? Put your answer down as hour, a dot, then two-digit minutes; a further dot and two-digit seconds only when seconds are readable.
12.47
